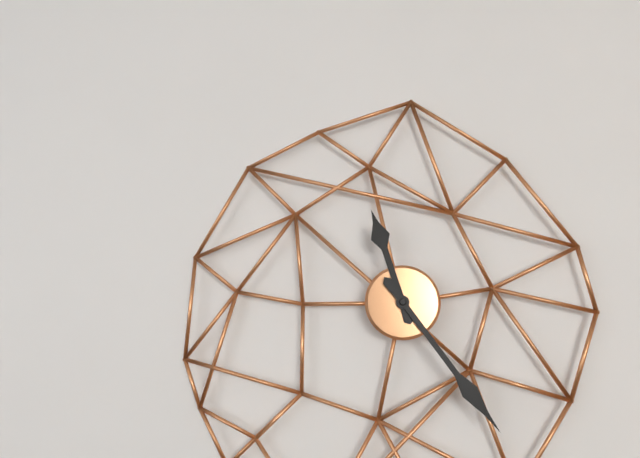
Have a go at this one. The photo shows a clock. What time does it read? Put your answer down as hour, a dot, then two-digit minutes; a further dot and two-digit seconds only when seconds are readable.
11.24
